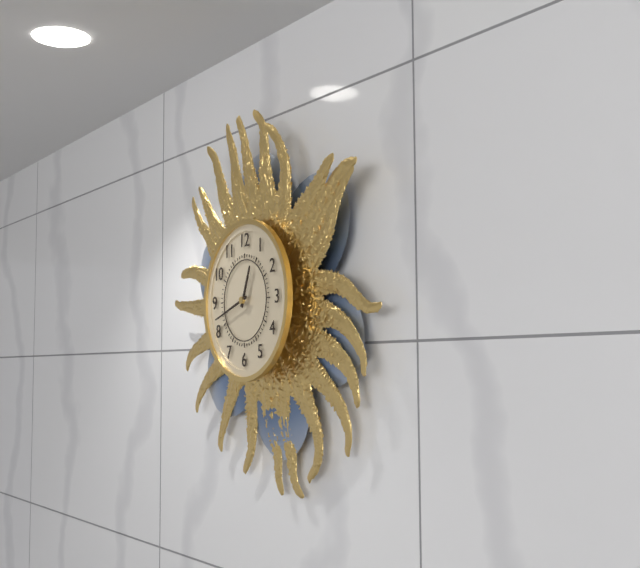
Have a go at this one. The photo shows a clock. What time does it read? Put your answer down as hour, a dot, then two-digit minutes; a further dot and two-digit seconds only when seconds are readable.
12.42
